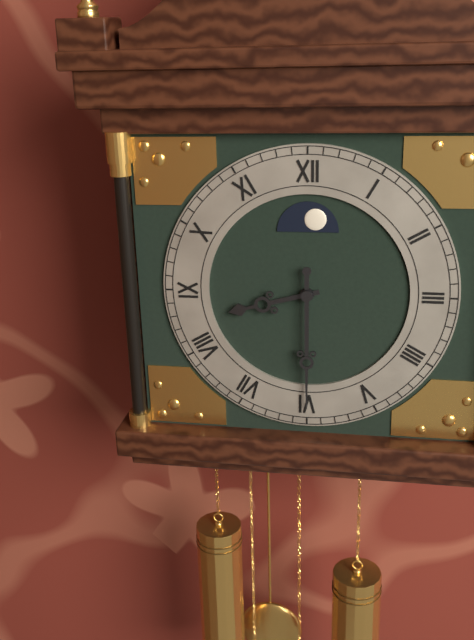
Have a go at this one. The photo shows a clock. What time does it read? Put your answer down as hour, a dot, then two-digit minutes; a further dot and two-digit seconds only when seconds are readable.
8.30
